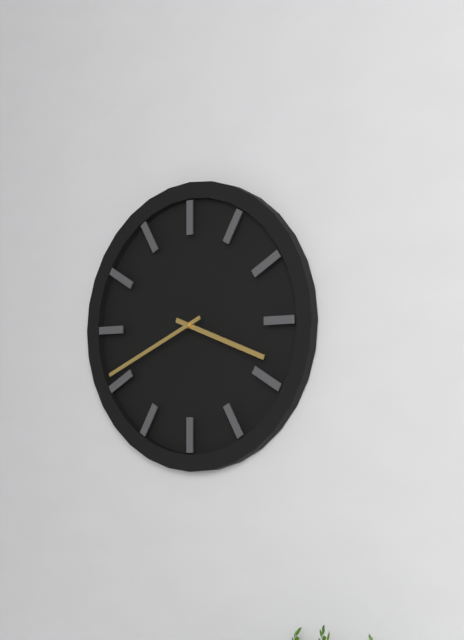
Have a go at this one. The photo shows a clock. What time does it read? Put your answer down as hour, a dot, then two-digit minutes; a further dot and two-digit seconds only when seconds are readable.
3.41
